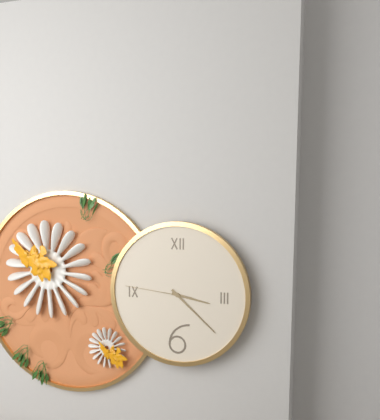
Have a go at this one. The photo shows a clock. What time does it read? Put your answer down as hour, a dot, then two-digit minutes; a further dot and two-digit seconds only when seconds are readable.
3.22.46
